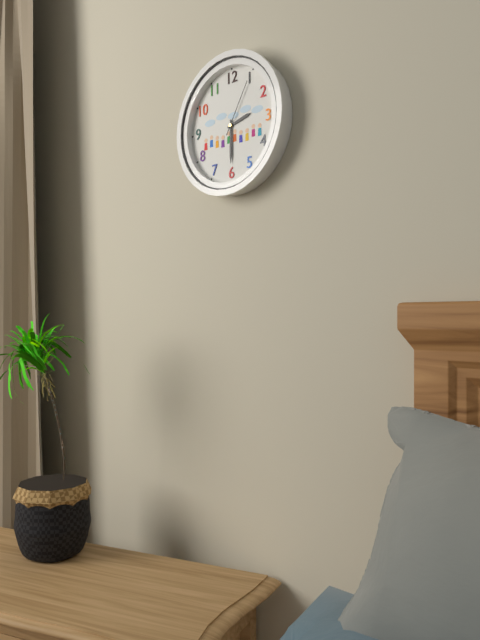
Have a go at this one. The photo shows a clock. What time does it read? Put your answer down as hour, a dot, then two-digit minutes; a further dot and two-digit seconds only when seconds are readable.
2.30.05
